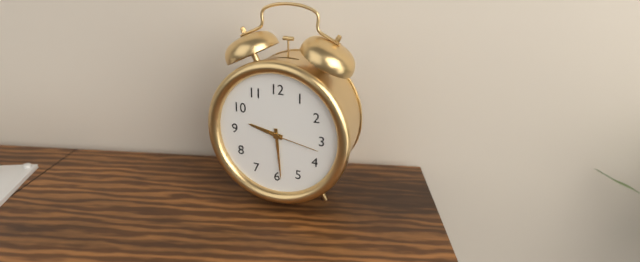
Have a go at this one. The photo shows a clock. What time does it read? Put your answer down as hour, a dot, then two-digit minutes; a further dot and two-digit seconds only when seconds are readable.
9.29.17
